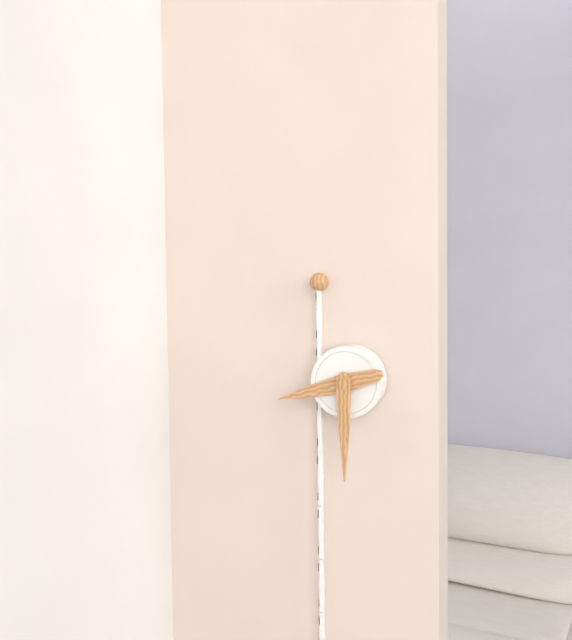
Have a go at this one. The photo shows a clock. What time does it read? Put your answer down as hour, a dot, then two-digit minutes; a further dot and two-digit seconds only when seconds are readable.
8.30
